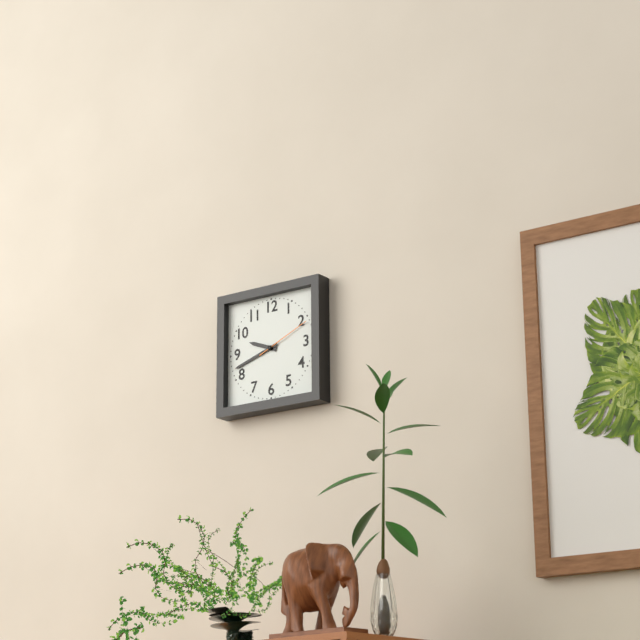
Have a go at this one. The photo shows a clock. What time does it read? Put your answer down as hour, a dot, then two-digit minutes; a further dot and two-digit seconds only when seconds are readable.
9.42.11
